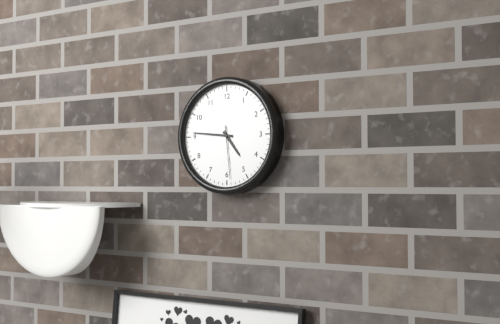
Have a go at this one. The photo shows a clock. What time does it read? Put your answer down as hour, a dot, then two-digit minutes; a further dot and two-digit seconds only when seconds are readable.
4.46.29
